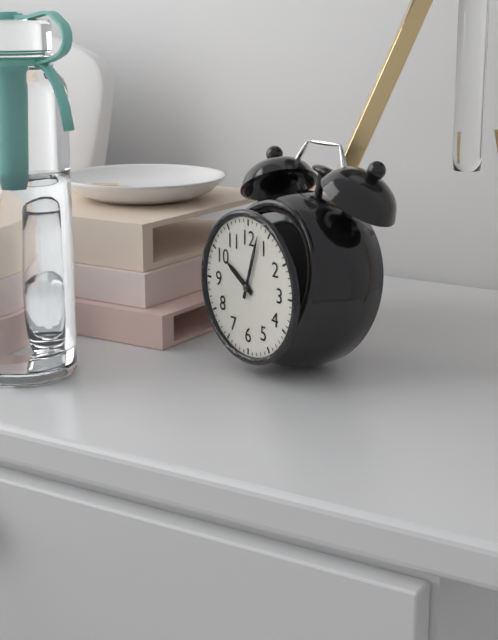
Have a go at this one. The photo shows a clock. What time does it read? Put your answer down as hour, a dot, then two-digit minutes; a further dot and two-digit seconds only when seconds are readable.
10.03
